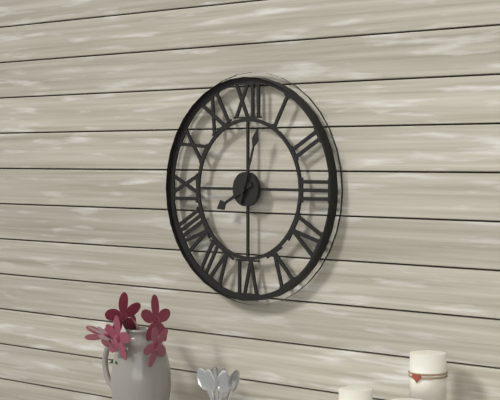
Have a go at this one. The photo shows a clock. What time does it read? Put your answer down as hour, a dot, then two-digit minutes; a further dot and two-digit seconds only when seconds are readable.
8.03
